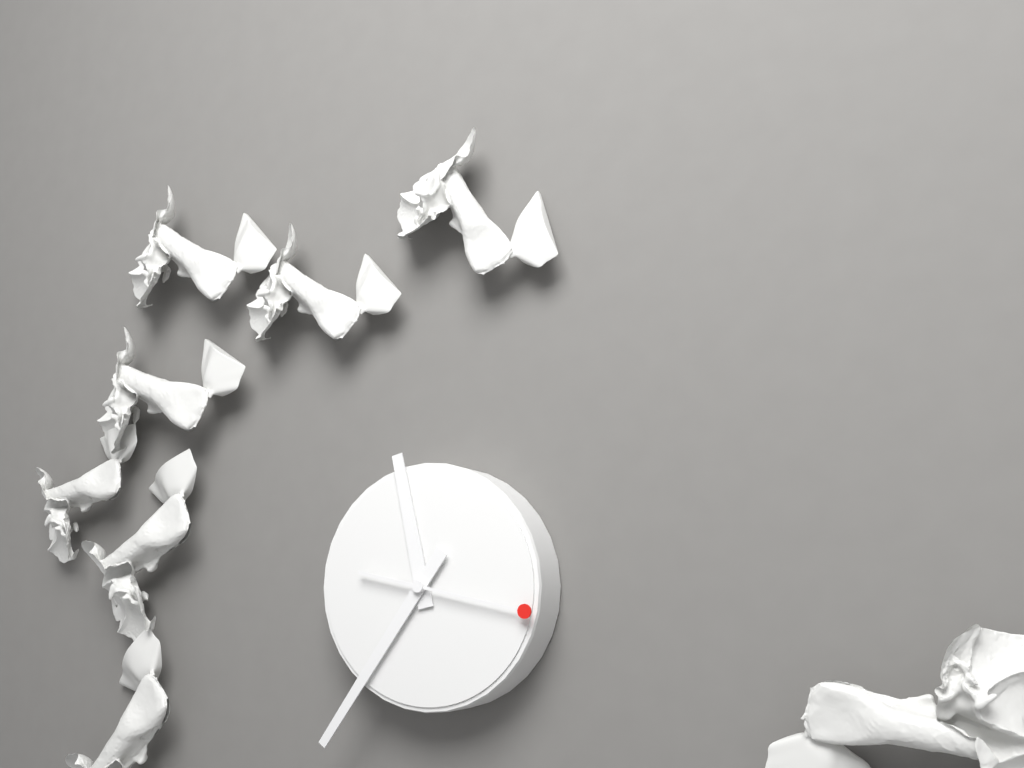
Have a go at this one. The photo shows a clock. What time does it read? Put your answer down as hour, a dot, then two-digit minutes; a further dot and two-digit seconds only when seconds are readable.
11.36.17
